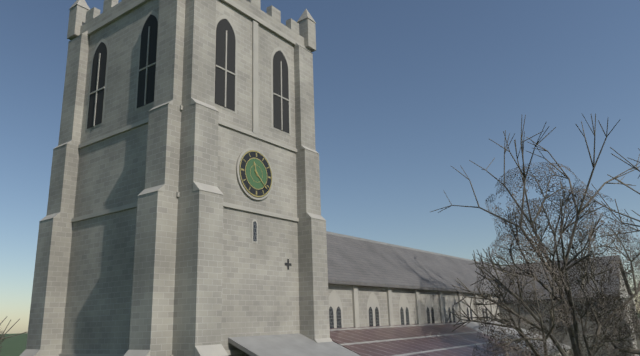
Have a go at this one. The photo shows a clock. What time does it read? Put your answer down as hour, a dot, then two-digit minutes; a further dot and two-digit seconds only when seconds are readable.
11.22
